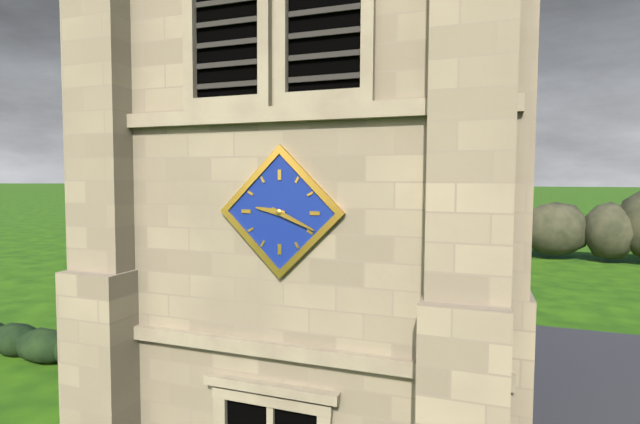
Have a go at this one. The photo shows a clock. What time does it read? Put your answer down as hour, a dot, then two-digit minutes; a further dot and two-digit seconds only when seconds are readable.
9.19
